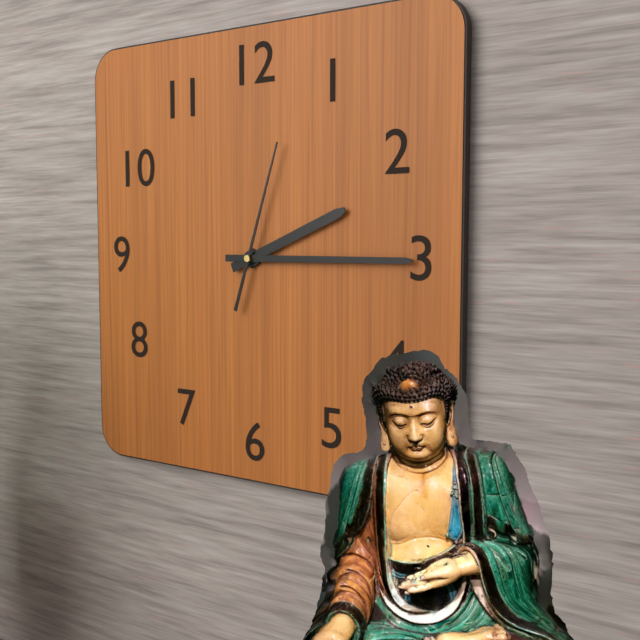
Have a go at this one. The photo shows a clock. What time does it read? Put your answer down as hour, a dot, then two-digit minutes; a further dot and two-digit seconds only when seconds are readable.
2.15.03
